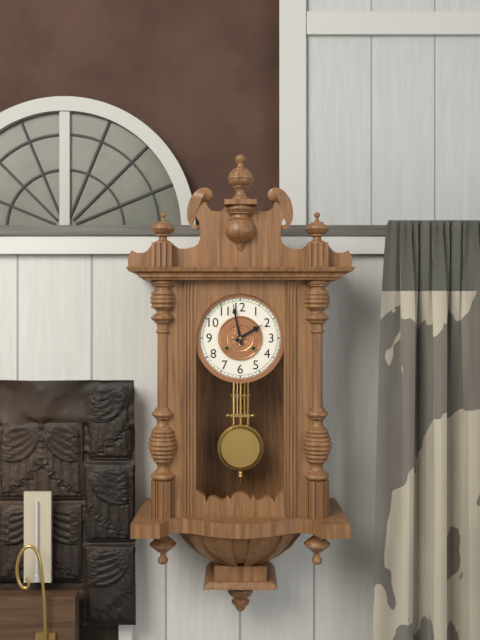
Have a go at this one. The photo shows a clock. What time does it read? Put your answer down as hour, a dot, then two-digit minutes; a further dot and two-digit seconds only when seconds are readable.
1.58
